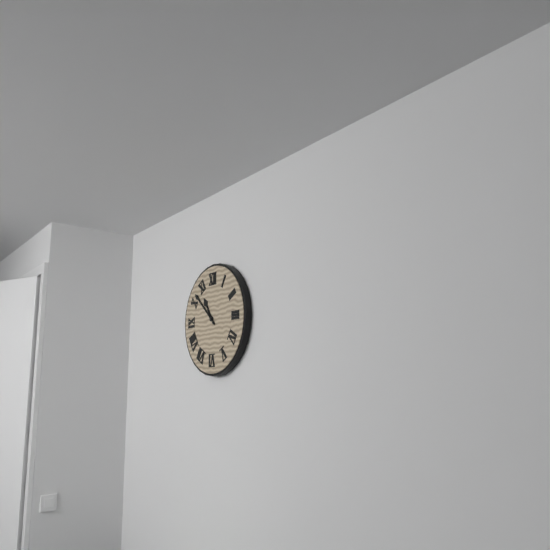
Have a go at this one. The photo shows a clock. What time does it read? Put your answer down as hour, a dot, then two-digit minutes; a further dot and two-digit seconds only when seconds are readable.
10.52
